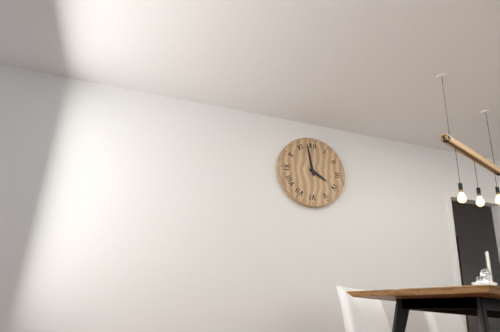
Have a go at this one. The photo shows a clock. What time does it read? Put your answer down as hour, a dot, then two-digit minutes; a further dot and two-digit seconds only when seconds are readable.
3.58
